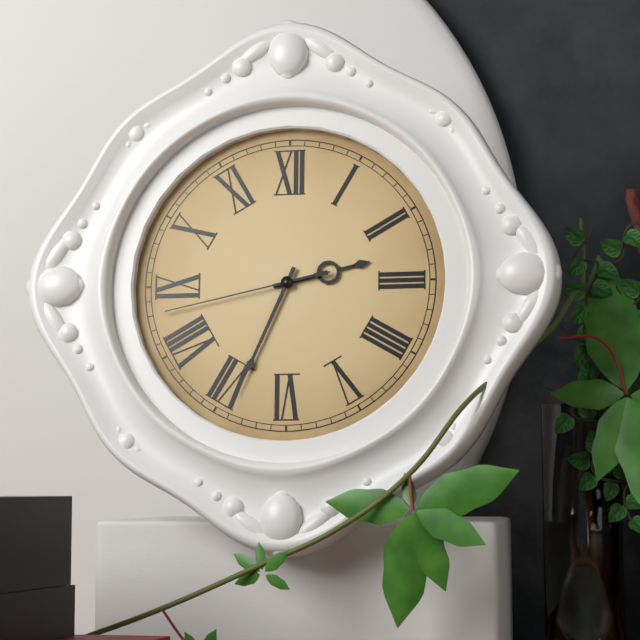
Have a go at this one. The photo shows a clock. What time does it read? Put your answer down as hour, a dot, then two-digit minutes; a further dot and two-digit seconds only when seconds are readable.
2.34.43
